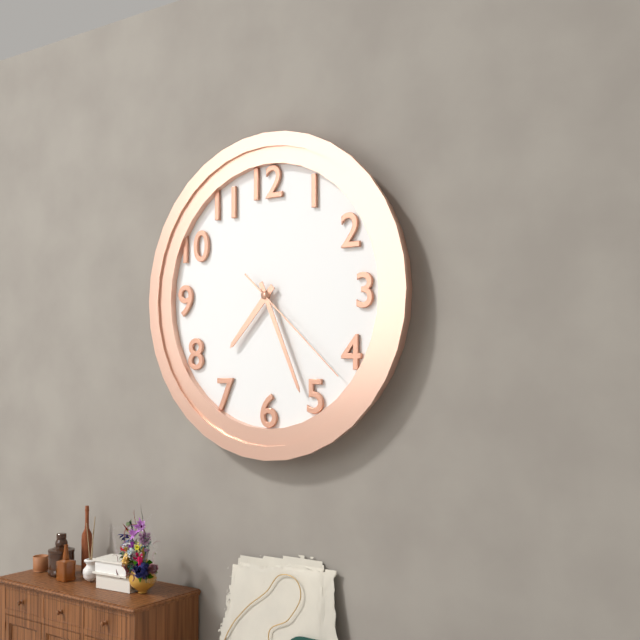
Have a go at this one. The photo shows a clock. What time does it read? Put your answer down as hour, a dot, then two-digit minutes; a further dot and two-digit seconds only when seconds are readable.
7.26.22
